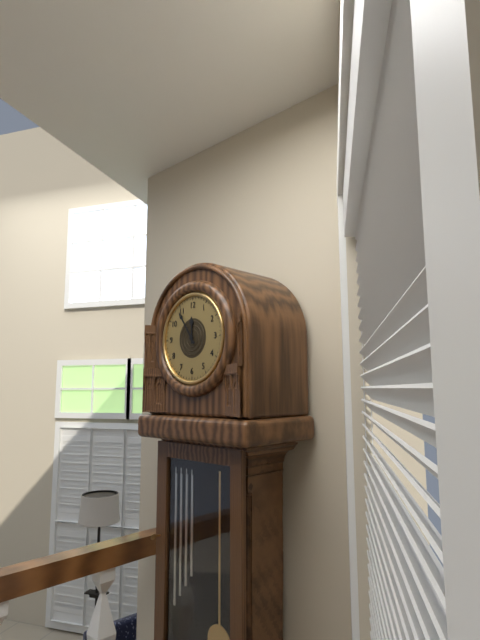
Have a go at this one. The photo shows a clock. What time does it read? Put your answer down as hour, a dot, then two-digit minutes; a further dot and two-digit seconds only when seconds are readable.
11.54
